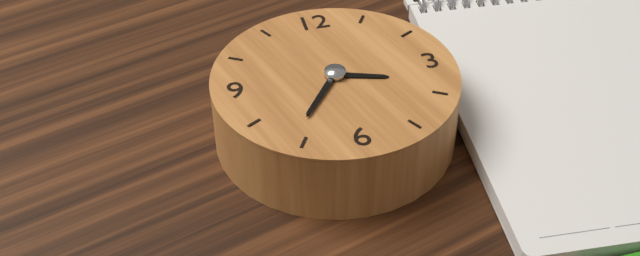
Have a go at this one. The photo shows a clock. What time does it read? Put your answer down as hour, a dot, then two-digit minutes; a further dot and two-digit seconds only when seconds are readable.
3.36
